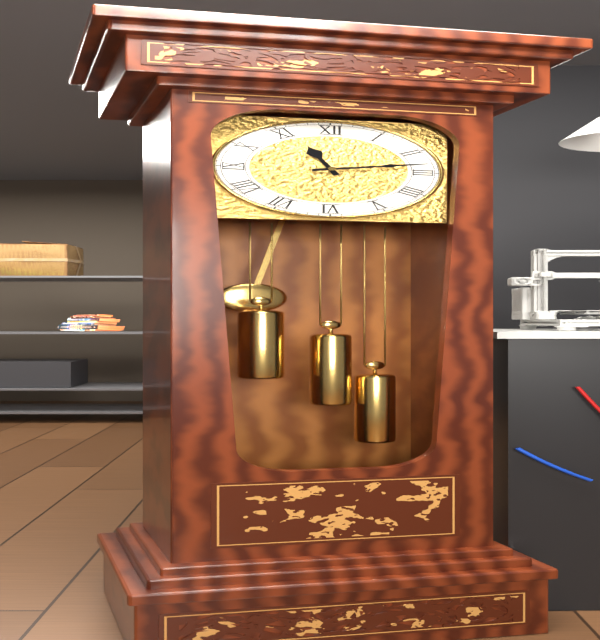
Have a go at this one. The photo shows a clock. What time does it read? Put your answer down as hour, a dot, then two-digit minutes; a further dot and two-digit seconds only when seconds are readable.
11.13
